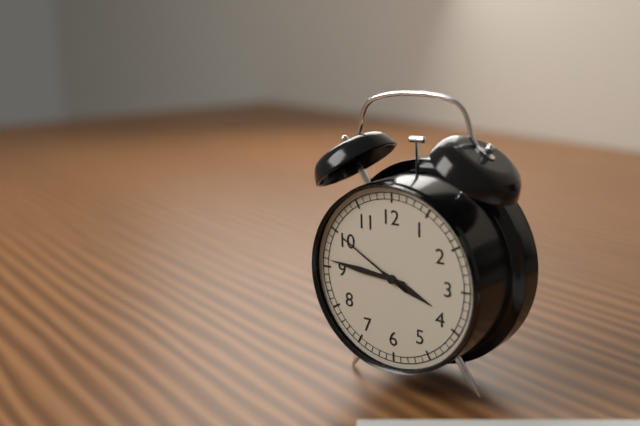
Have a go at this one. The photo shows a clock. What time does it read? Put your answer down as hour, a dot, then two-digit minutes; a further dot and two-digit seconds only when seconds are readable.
3.46.50
